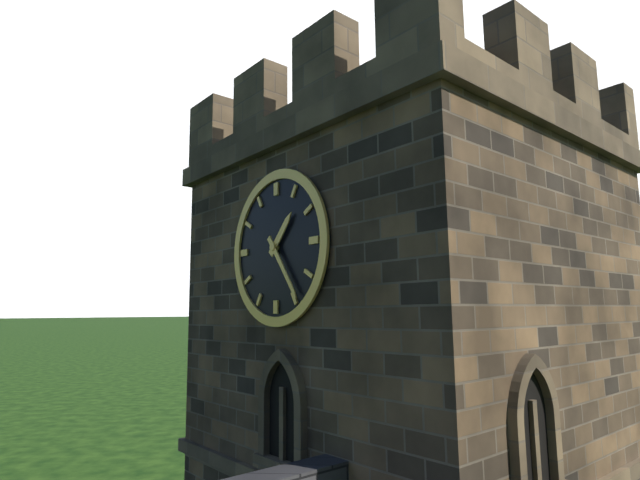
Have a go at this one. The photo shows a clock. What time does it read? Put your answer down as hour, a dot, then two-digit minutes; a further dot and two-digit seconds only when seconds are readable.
1.24
